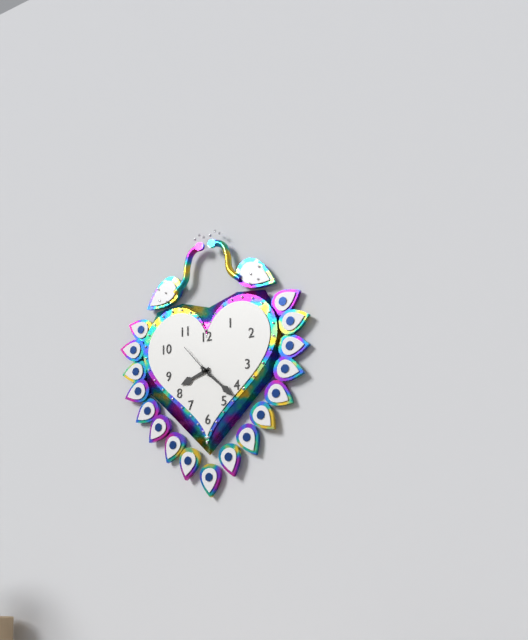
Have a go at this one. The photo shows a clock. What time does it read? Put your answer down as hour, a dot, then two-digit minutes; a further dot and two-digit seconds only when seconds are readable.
8.22
